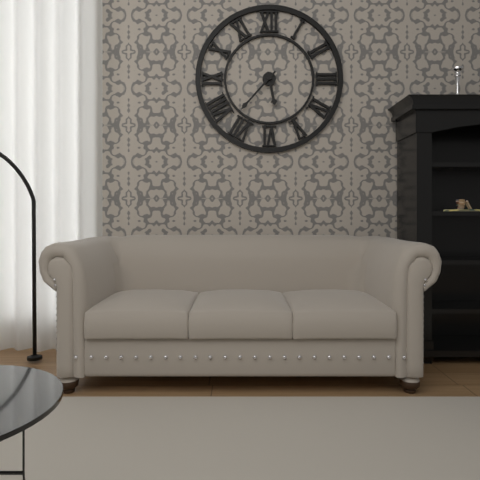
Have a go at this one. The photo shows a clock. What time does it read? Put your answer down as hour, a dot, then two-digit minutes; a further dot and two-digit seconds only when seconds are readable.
5.37
